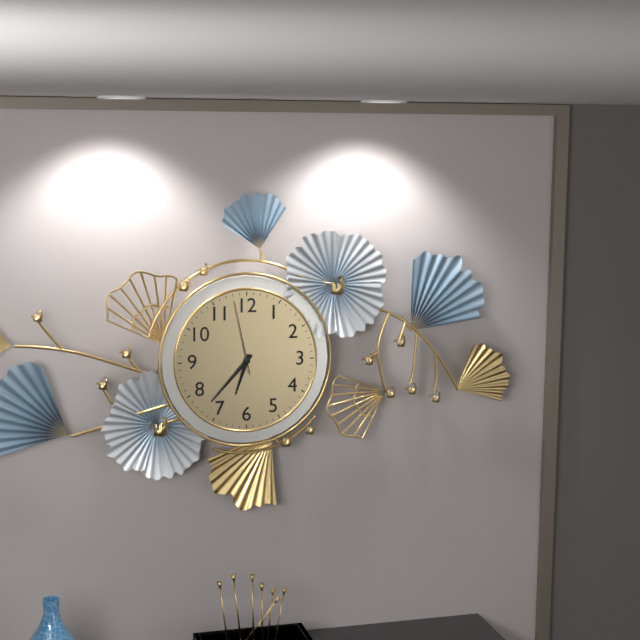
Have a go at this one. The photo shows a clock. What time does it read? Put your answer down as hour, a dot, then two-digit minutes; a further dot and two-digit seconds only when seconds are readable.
6.37.58
